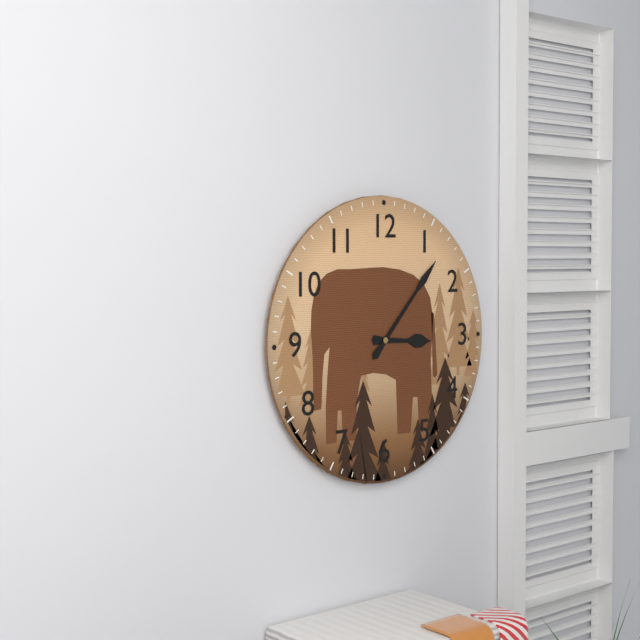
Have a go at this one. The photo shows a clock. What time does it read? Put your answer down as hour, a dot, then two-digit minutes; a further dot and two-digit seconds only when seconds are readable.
3.07
